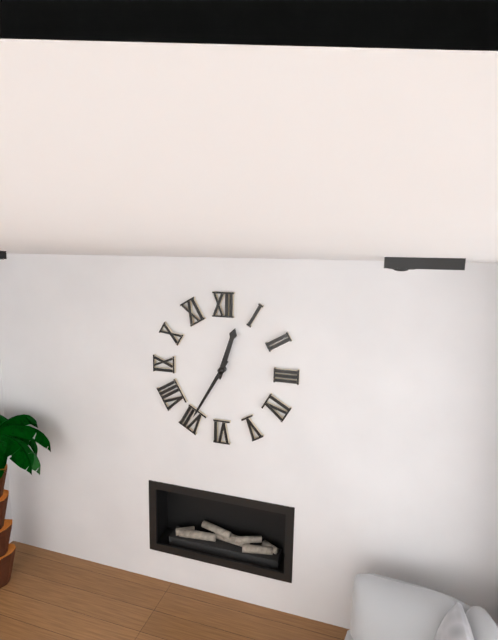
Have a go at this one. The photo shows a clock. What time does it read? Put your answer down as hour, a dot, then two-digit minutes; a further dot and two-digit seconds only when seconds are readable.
12.35
